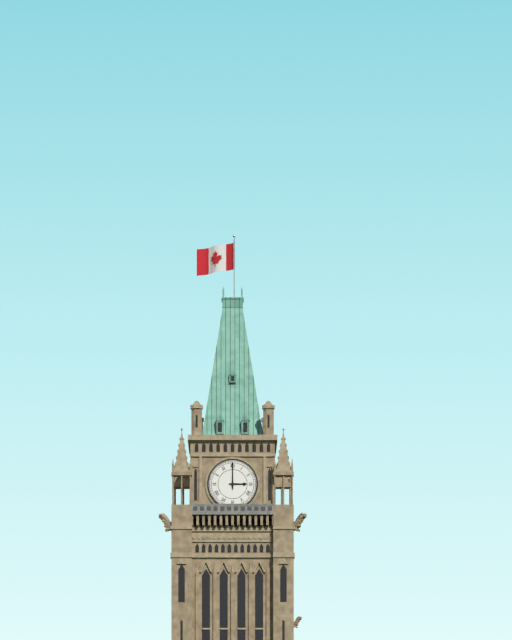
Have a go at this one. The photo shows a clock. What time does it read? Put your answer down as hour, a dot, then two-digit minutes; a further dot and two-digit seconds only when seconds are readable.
3.00
